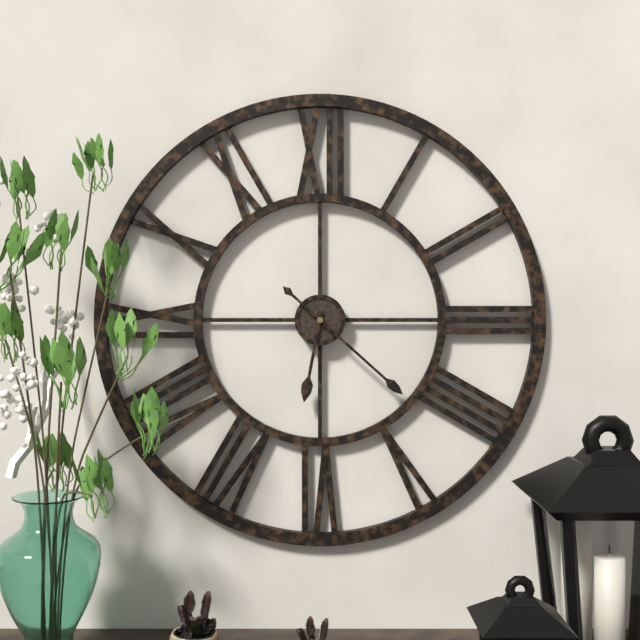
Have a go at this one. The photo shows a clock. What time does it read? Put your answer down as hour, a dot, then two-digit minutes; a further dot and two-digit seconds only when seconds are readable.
6.22
